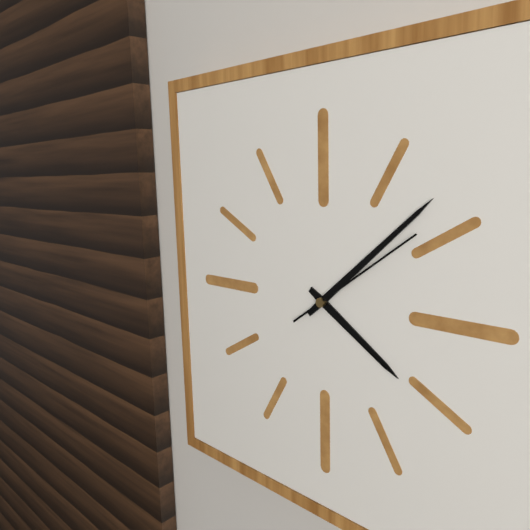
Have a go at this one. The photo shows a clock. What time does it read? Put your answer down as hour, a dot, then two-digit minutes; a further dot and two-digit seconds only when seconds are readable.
4.08.09
